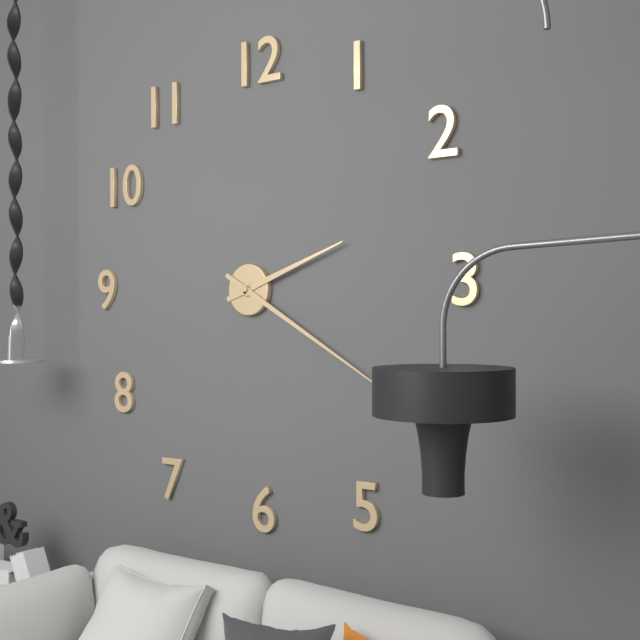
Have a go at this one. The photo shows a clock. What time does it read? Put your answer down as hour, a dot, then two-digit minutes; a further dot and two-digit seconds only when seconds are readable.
2.20
